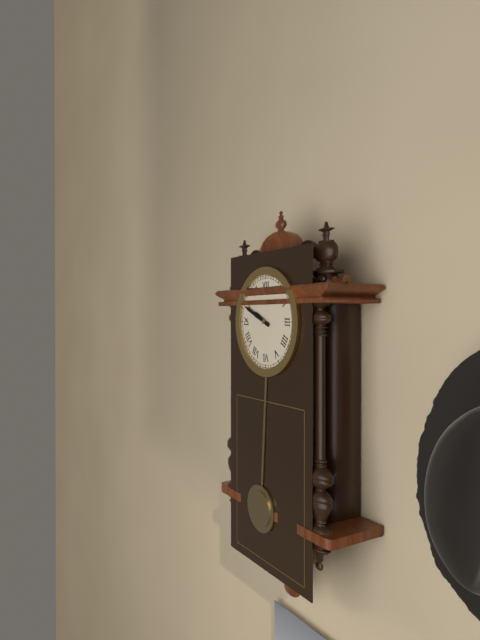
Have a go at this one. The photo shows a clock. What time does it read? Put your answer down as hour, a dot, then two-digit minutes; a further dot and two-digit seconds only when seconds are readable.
9.49
